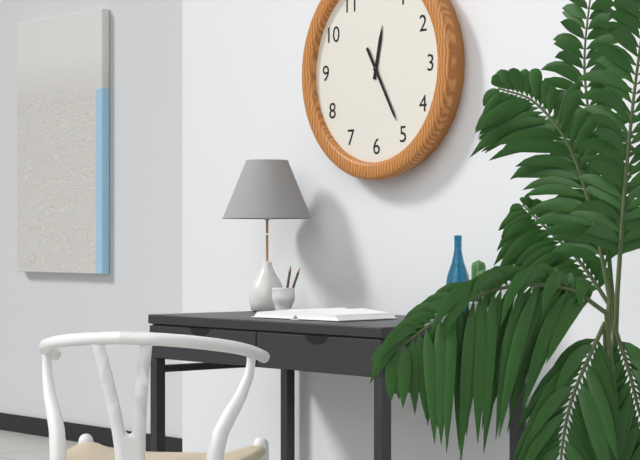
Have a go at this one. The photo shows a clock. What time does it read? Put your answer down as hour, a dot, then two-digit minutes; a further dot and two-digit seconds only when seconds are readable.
12.25
